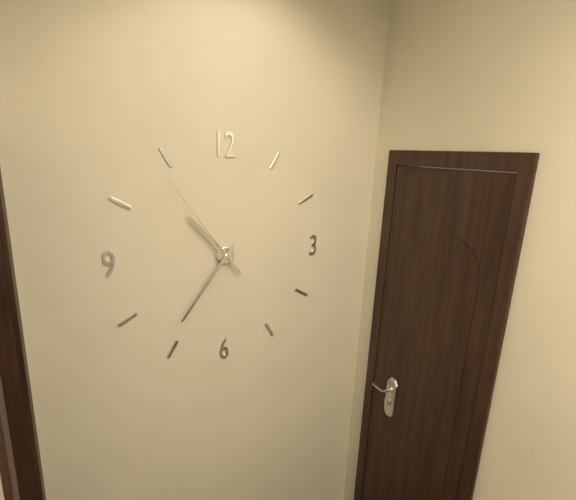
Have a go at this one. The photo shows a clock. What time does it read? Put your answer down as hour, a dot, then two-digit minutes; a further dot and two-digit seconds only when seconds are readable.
10.36.54
